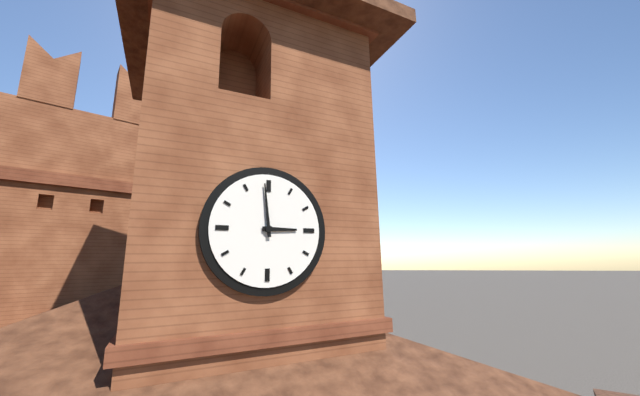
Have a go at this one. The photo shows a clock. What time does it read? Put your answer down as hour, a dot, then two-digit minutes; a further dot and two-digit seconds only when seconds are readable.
2.59
